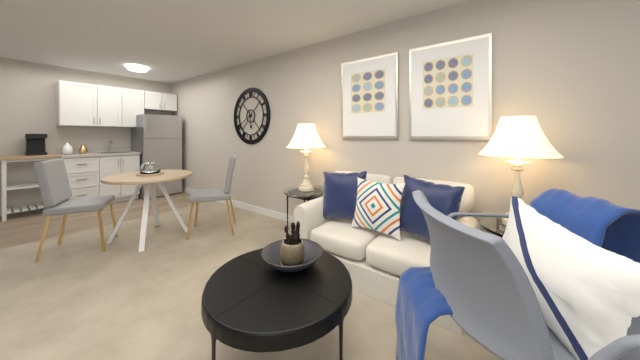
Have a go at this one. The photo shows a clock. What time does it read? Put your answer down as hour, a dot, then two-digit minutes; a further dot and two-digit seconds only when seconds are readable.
5.40
